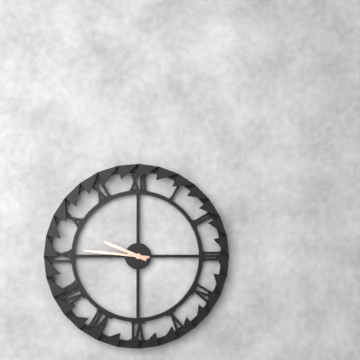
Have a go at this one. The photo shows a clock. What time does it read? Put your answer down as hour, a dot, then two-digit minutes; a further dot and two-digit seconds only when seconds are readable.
9.46
